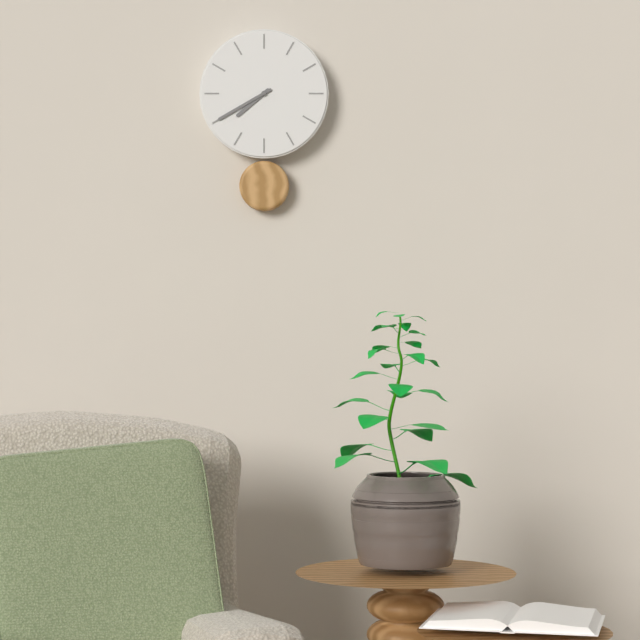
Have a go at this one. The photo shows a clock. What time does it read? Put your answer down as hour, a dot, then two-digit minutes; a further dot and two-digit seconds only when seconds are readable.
7.40
